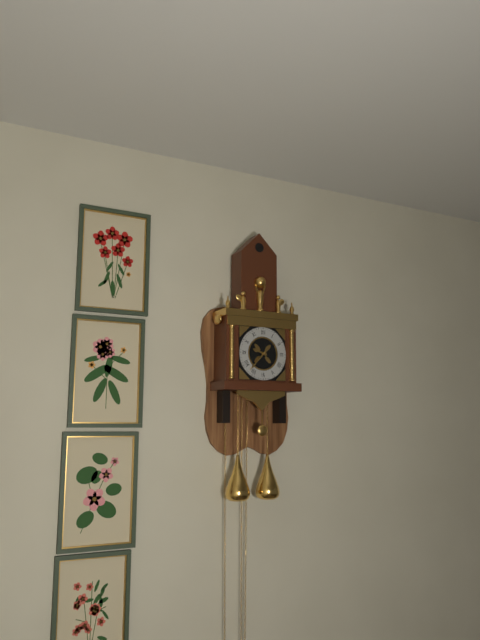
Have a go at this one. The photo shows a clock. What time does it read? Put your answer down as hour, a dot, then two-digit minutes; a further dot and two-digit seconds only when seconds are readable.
9.37
